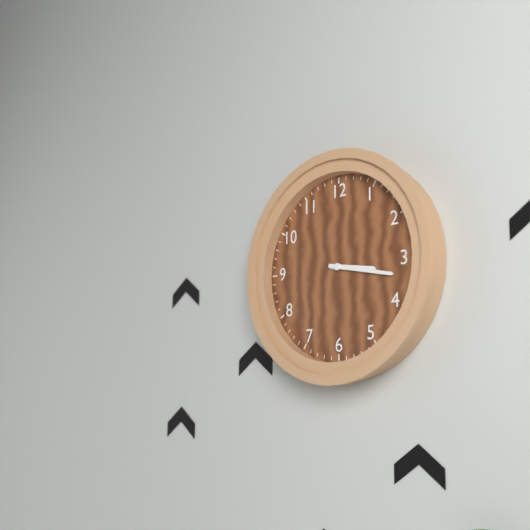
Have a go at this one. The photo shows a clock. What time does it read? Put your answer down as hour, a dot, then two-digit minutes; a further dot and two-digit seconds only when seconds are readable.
3.17
